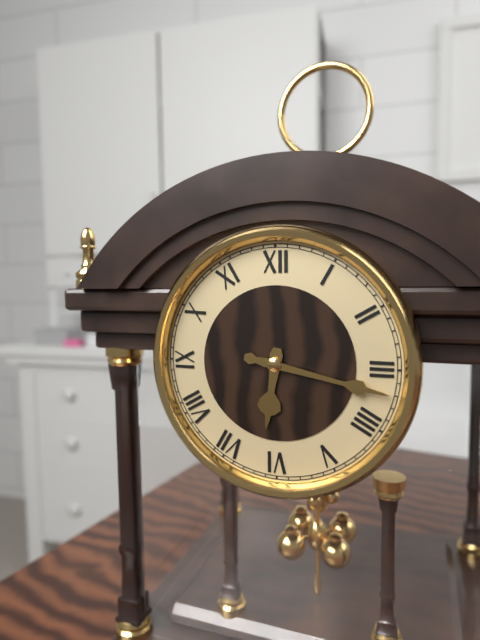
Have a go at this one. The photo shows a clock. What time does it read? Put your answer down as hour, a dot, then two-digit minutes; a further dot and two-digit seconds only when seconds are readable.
6.17
